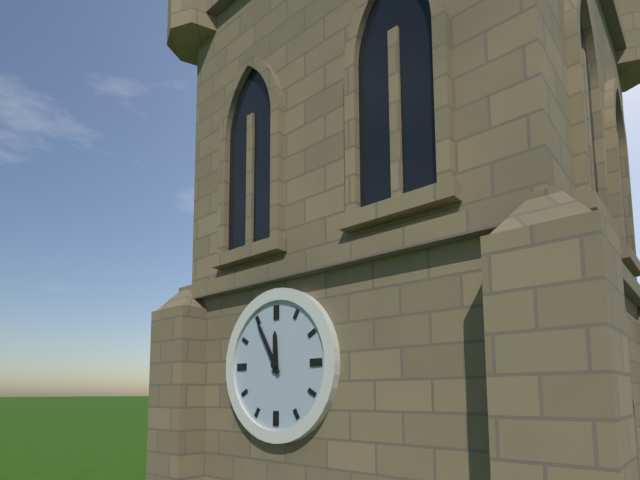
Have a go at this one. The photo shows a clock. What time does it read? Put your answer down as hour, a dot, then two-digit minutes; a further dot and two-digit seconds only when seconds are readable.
11.55
